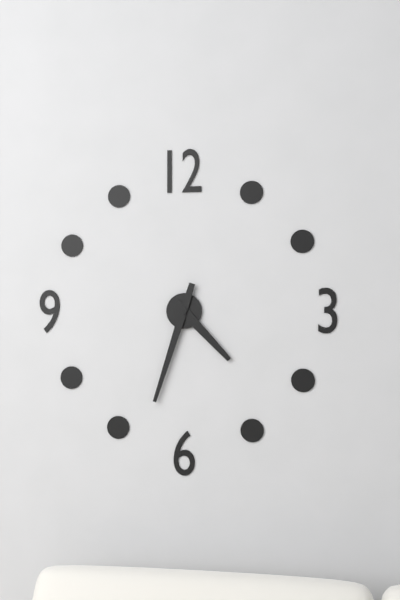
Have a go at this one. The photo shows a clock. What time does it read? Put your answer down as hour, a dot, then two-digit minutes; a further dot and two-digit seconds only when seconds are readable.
4.33
